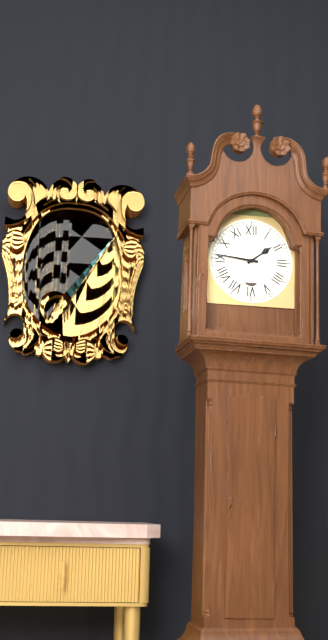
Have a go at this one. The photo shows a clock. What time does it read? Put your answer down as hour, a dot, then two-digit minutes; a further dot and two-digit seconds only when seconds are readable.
1.46
